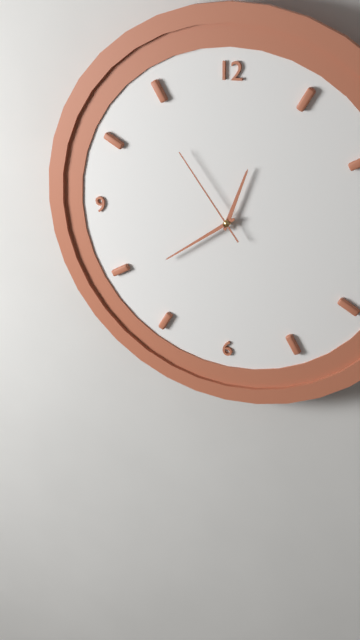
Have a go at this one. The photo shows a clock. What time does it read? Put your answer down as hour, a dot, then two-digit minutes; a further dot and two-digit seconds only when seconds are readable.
12.39.54
